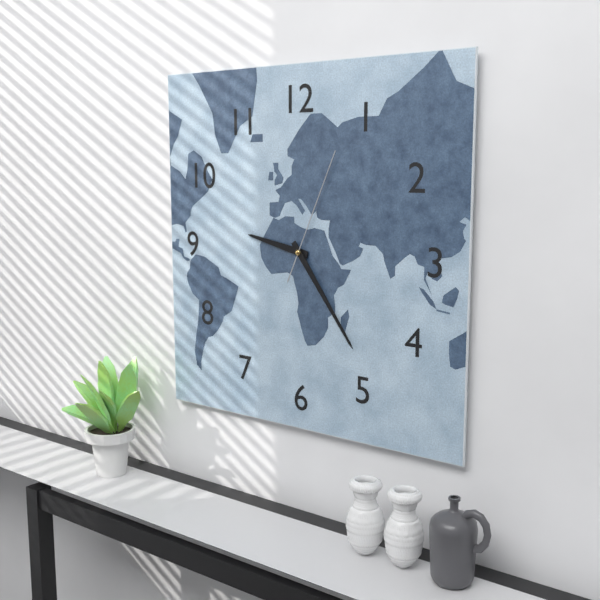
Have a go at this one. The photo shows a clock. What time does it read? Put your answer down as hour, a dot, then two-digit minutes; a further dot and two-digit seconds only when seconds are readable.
9.24.04
